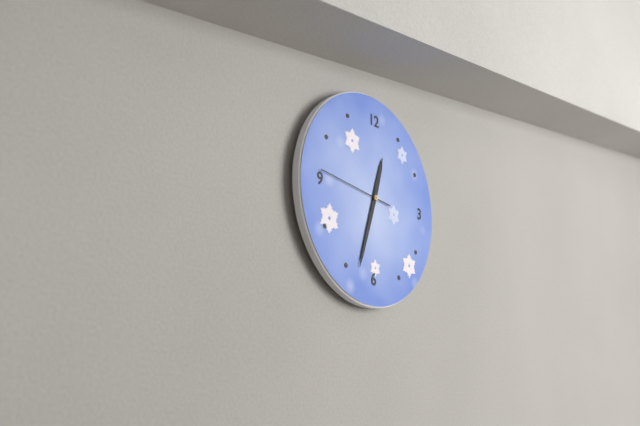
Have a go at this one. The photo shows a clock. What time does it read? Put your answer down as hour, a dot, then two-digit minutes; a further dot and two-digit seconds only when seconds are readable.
12.33.46
